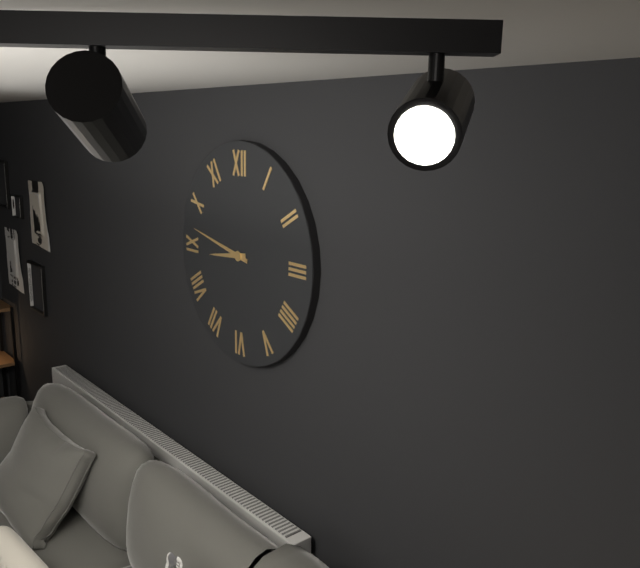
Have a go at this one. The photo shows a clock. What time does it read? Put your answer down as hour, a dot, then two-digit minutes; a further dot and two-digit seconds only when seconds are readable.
8.47
